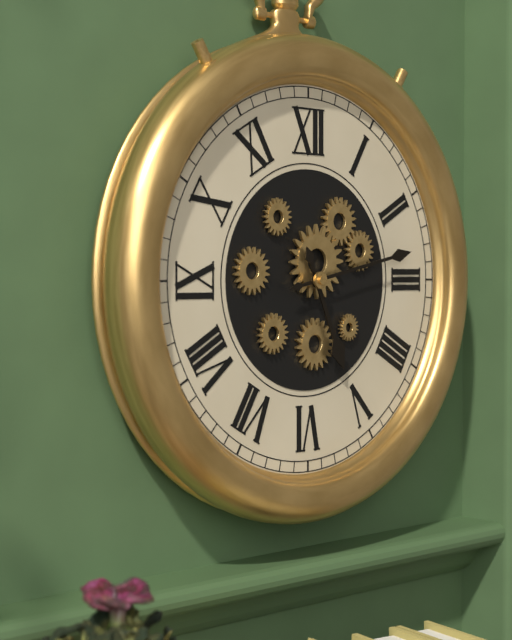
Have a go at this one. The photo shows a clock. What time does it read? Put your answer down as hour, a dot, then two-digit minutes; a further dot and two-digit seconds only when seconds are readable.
5.13
